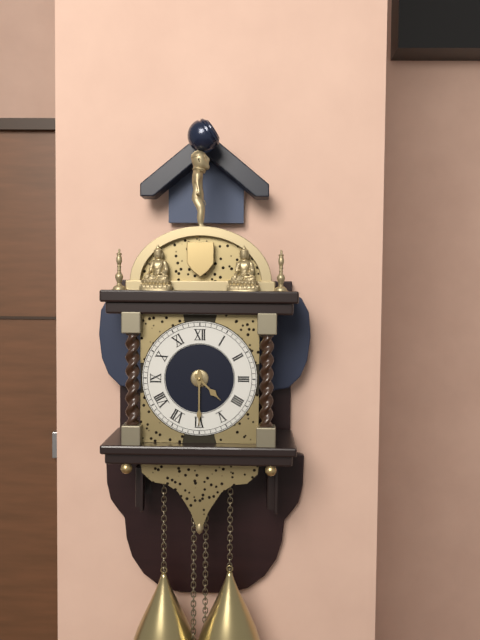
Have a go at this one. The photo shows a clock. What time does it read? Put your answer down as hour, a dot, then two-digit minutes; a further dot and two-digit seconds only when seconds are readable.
4.30
